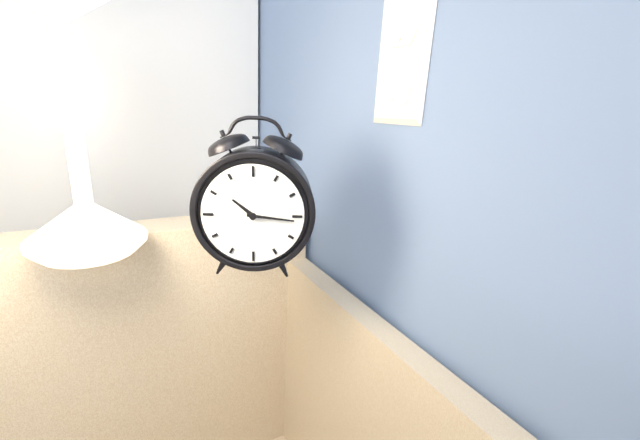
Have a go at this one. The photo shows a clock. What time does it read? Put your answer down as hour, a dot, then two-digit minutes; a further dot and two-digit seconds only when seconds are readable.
10.16
